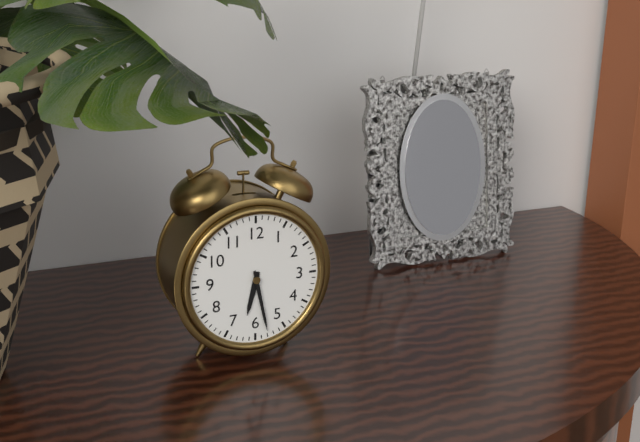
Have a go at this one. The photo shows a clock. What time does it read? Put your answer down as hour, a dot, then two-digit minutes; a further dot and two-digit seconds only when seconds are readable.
6.28
